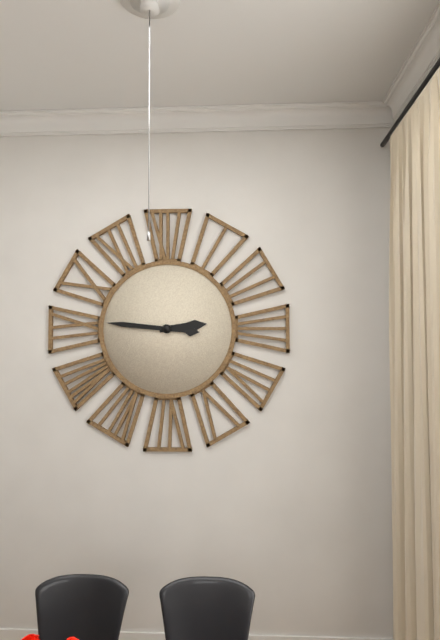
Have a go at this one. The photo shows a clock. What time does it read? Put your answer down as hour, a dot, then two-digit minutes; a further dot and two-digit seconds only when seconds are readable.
2.46
